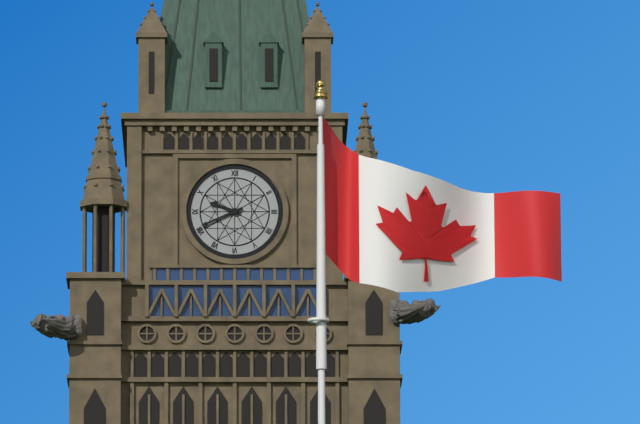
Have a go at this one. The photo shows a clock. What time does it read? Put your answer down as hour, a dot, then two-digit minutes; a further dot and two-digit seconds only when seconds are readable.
9.41
